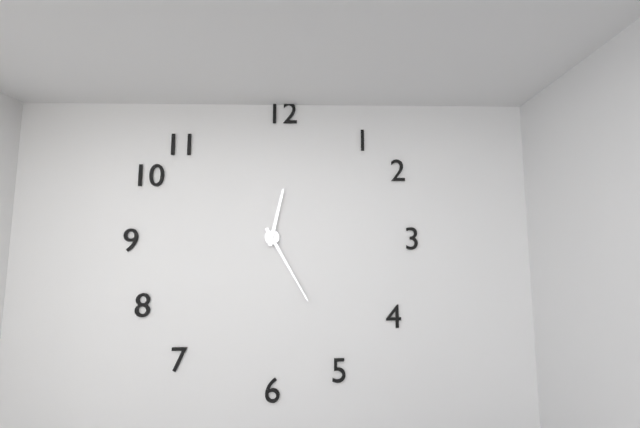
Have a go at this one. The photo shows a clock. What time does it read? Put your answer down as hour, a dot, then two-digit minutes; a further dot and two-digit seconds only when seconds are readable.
12.25
